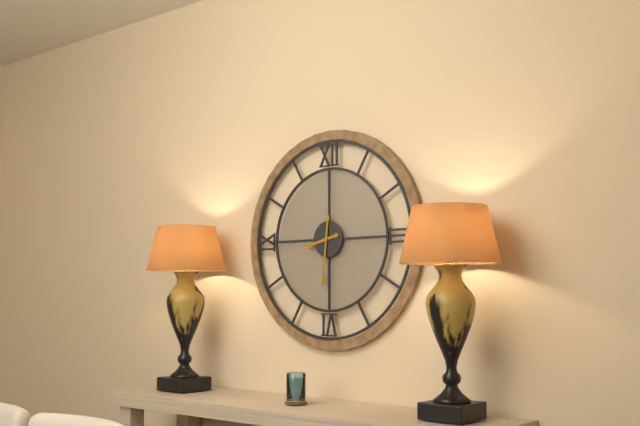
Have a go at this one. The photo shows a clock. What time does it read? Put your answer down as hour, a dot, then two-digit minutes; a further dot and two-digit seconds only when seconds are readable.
8.31
